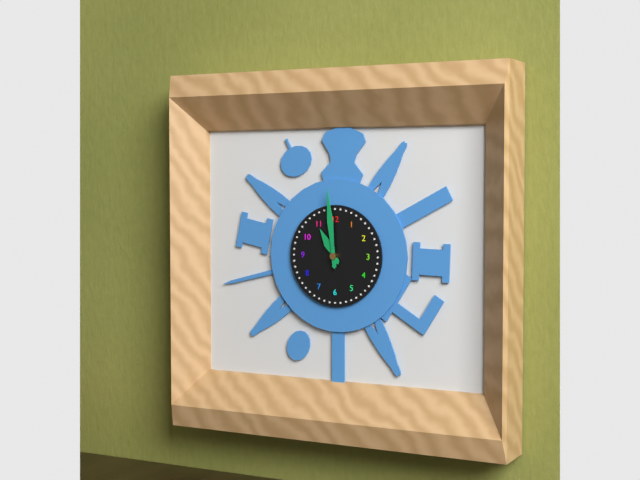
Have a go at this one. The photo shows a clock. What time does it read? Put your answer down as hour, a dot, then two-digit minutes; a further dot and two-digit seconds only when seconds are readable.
10.59
